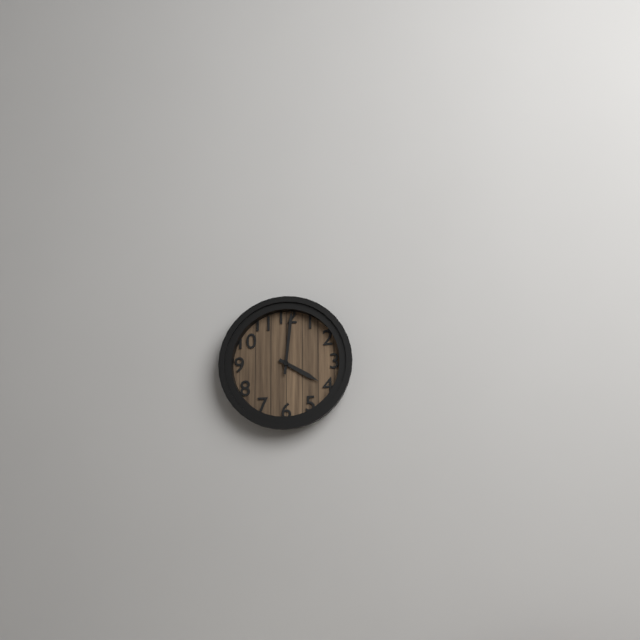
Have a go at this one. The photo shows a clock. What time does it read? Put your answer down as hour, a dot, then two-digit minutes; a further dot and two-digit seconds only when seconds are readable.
4.01
